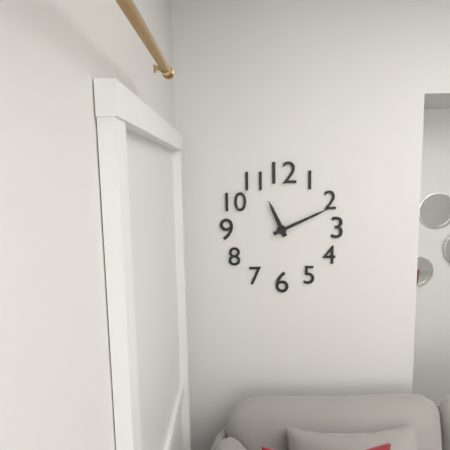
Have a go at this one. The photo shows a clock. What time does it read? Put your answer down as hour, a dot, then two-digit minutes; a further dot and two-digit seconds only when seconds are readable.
11.11
